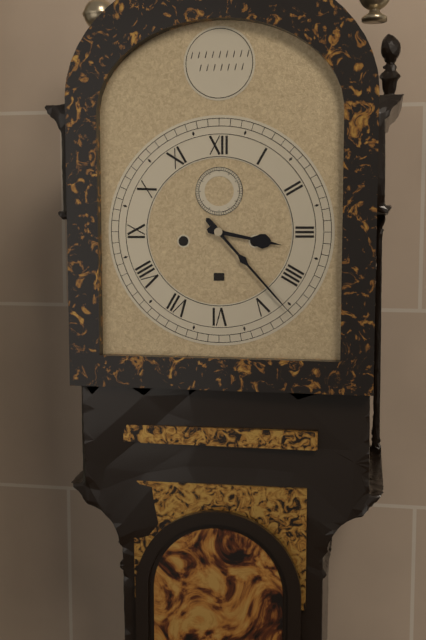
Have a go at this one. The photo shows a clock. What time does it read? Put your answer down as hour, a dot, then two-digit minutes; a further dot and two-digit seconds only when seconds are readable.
3.23
